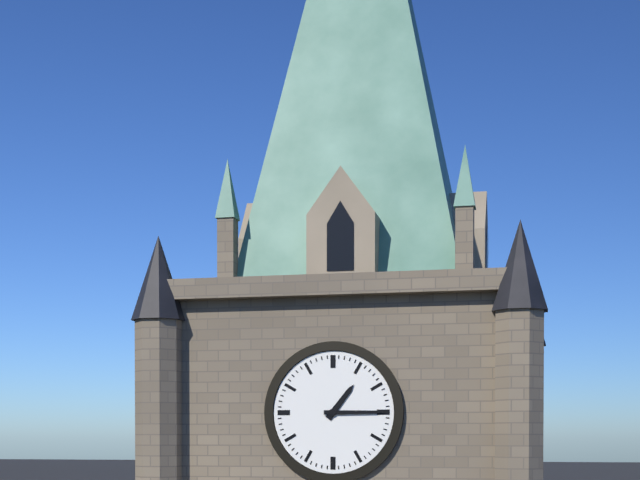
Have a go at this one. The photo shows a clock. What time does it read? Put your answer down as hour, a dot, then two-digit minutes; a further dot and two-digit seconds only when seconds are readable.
1.15
